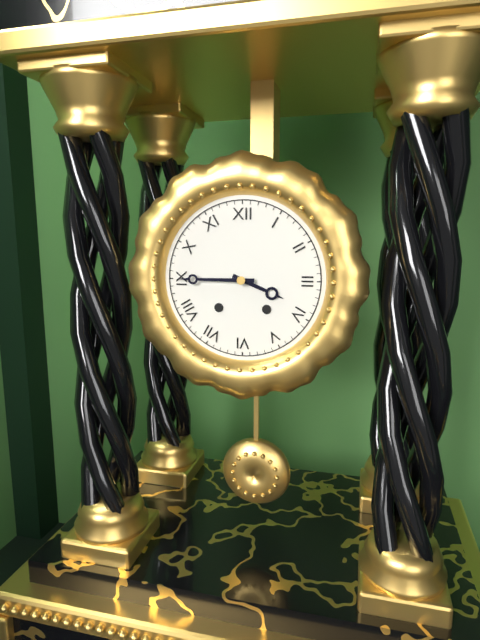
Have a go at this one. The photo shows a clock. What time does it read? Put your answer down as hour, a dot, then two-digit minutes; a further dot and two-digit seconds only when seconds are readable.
3.45
